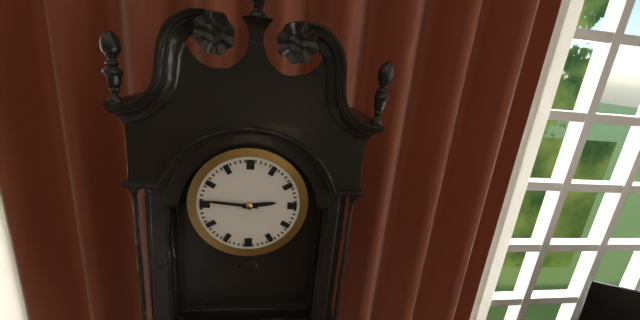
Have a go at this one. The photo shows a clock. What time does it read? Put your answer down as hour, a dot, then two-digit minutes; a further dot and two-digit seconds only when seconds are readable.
2.46
